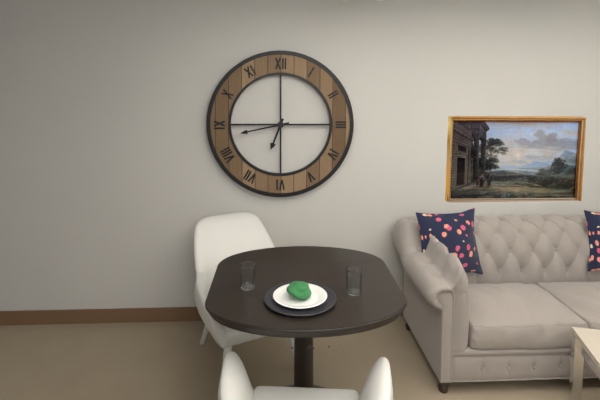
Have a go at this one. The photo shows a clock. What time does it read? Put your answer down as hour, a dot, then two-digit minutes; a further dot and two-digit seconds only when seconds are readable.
6.43
